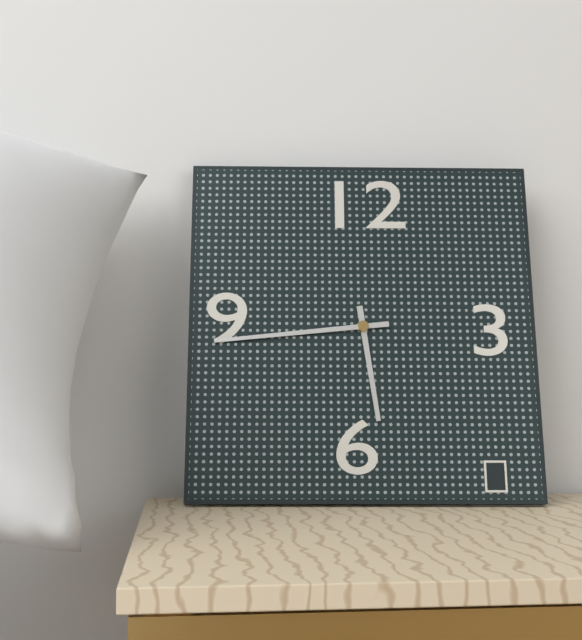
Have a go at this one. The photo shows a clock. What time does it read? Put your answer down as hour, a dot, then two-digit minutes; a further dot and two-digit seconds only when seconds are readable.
5.44
